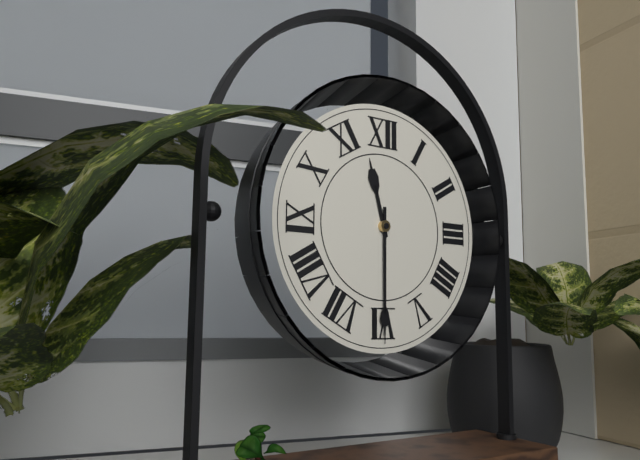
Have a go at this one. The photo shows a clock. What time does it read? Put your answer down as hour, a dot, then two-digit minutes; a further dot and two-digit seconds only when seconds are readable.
11.30
